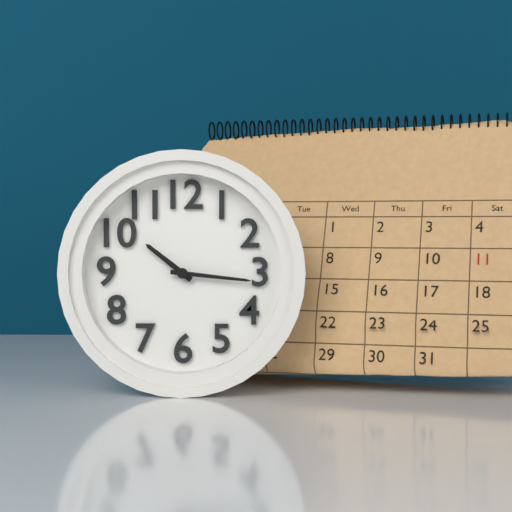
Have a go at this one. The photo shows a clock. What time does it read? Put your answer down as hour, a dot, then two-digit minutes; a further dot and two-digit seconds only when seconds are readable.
10.16
